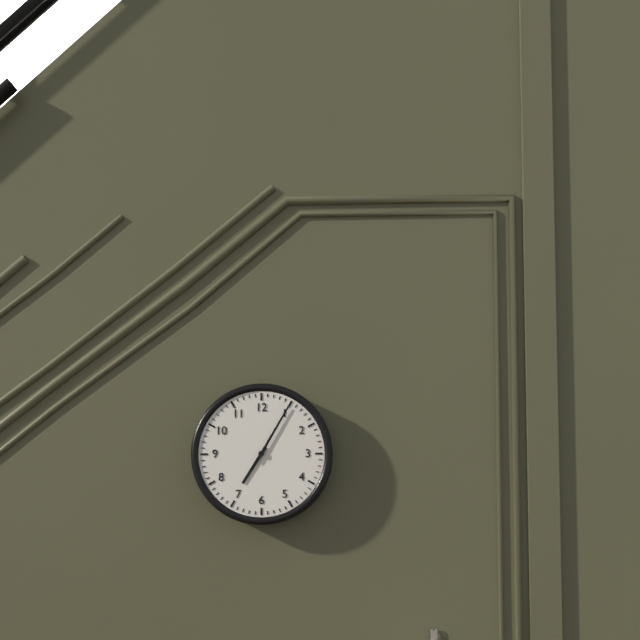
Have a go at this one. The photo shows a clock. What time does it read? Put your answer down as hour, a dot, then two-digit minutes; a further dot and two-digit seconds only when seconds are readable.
7.05
